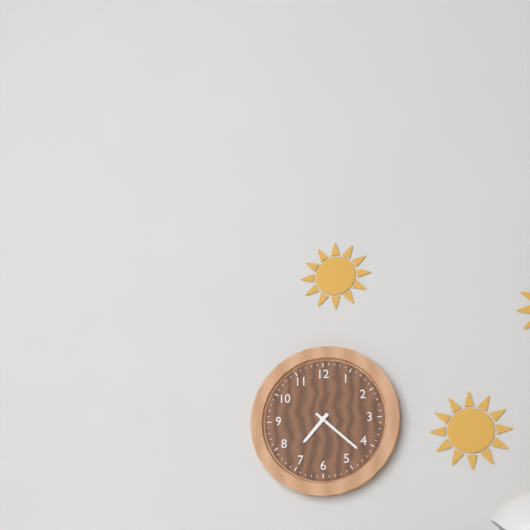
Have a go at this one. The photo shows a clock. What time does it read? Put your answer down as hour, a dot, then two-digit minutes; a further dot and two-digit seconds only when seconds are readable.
7.22
